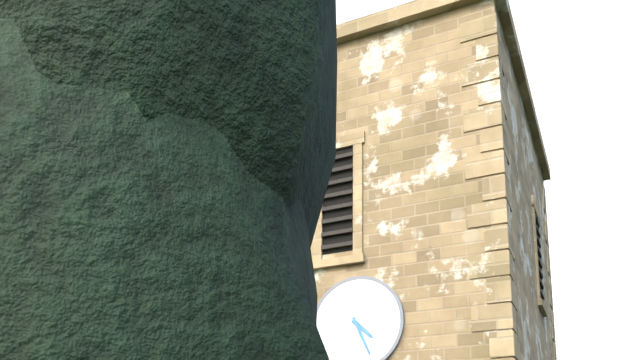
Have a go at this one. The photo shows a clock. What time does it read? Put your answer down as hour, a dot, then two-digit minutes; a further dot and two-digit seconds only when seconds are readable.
4.26
